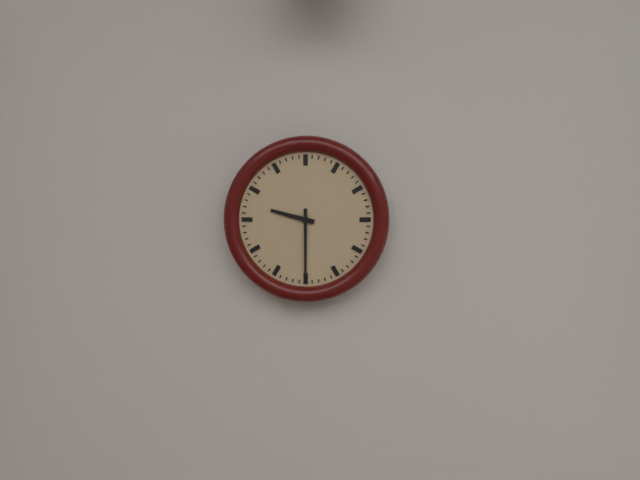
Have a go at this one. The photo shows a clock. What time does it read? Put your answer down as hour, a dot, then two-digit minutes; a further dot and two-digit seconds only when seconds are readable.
9.30
